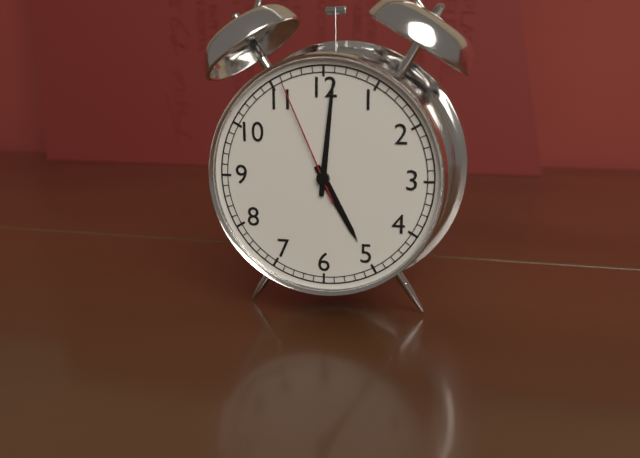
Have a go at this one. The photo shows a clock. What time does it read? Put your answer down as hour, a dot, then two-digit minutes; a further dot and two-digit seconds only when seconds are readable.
5.01.56
